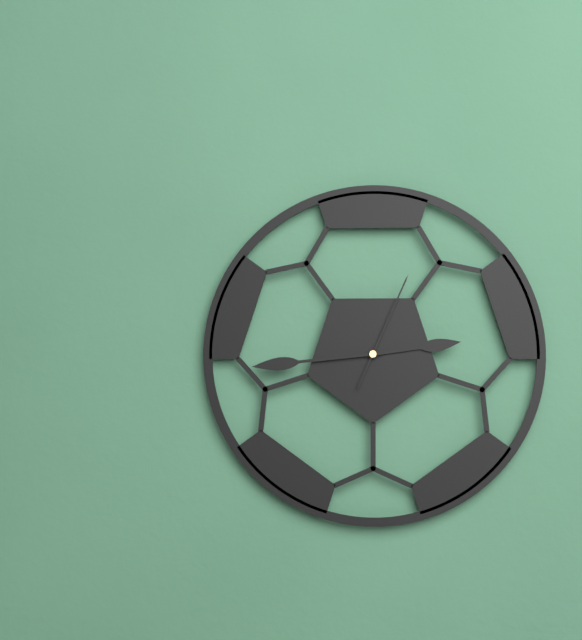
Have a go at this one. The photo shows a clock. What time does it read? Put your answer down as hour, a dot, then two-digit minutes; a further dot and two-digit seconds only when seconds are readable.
2.44.04
